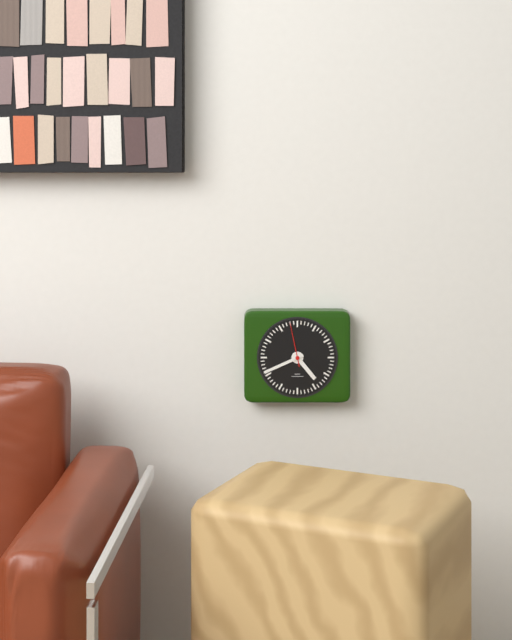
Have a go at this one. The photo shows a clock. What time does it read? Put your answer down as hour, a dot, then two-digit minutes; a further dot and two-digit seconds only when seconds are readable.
4.41
